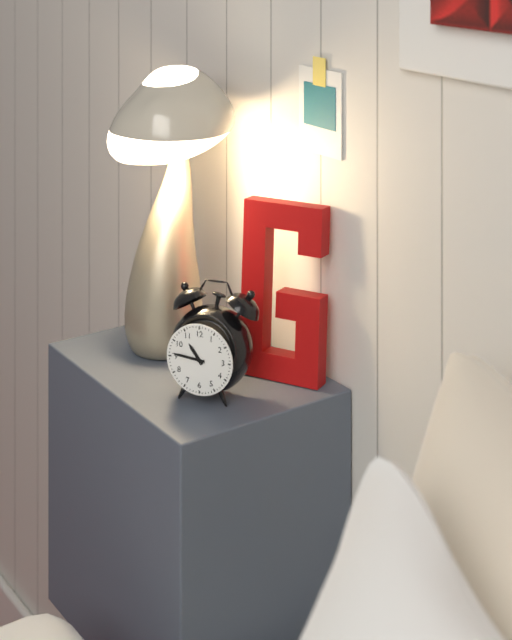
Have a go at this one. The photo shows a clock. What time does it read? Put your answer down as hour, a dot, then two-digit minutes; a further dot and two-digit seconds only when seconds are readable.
10.46
